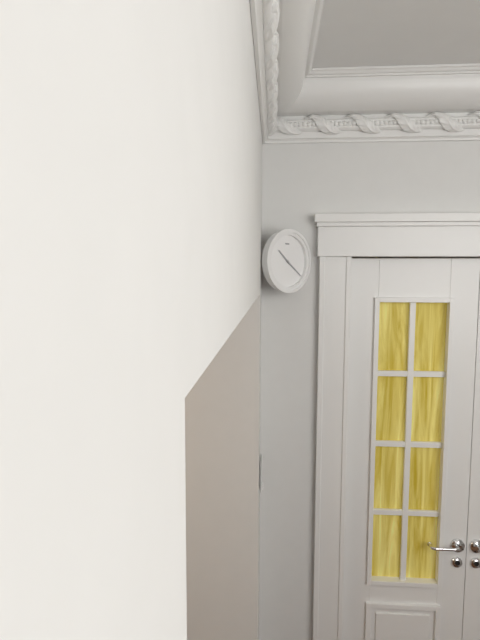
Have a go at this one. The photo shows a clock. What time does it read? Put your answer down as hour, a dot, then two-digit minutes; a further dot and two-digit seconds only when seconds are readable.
10.21
